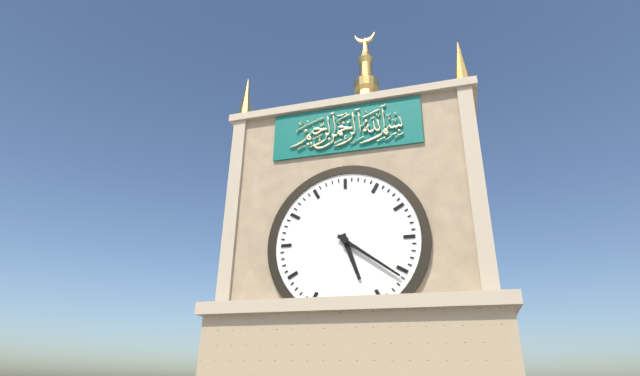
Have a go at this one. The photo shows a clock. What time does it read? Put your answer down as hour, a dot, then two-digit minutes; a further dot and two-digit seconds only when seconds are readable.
5.21
